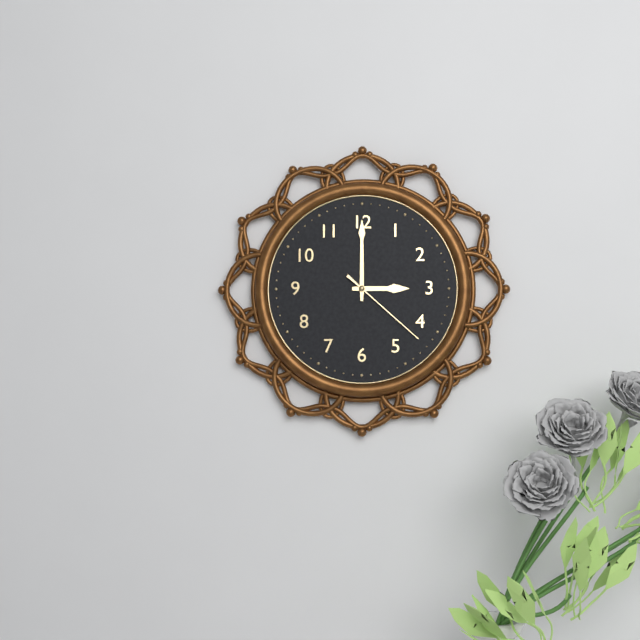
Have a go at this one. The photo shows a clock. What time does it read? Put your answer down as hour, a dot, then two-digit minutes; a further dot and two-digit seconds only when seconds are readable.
3.00.22
